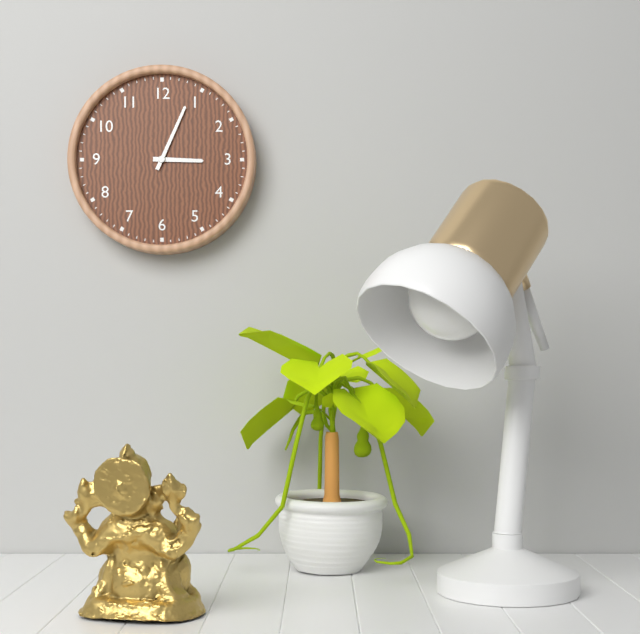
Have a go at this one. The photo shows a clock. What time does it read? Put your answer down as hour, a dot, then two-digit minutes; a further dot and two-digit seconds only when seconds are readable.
3.04
